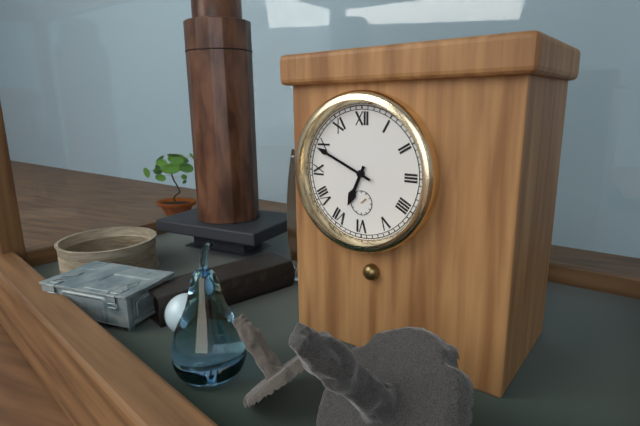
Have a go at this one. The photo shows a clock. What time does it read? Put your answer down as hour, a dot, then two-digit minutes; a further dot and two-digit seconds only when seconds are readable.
6.49
